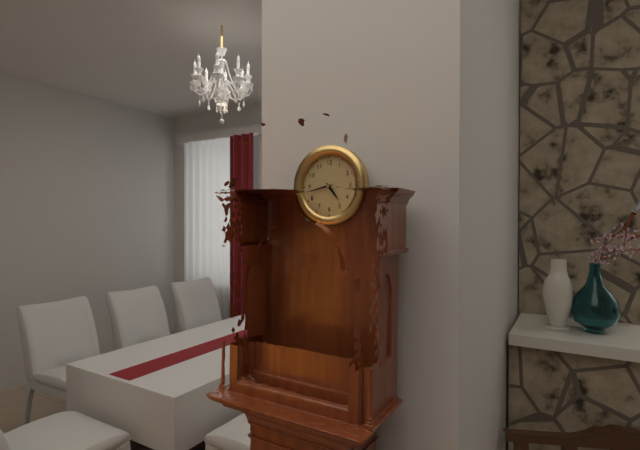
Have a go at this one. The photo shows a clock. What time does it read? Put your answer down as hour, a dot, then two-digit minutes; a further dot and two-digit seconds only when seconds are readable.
4.43
